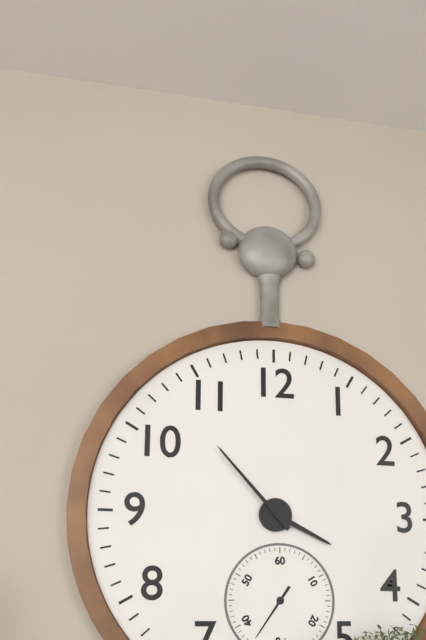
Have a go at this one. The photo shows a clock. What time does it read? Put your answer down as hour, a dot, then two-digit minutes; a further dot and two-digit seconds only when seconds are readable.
3.53
